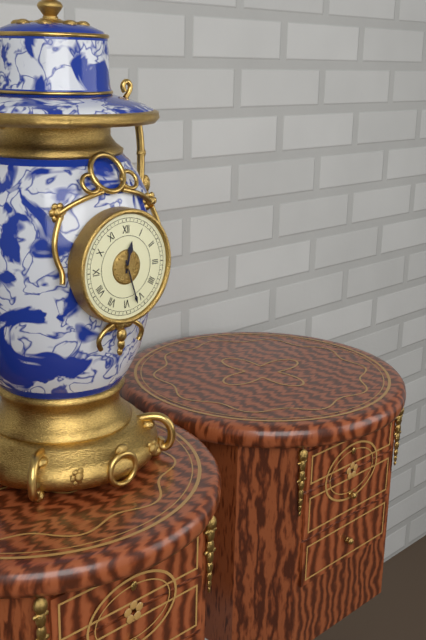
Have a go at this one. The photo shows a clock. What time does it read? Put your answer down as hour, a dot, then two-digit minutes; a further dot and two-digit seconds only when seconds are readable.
12.27
